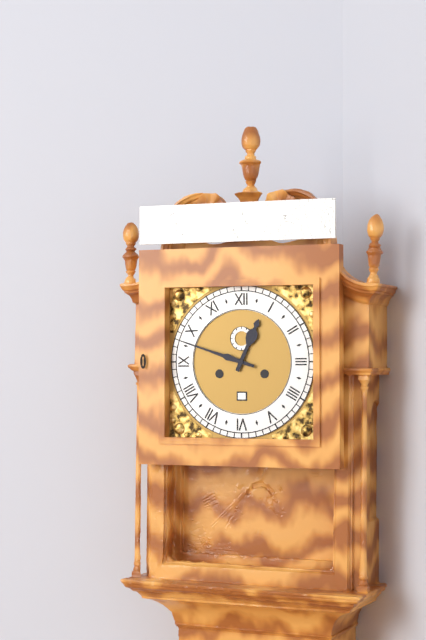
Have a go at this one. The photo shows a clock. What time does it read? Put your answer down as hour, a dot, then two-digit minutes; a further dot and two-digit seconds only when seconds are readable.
12.48
